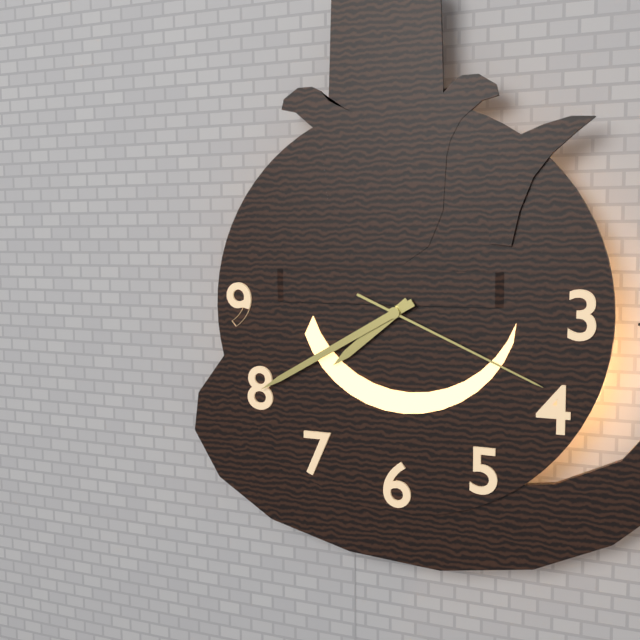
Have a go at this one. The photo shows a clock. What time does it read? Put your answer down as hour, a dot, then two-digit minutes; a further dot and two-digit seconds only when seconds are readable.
7.40.19
